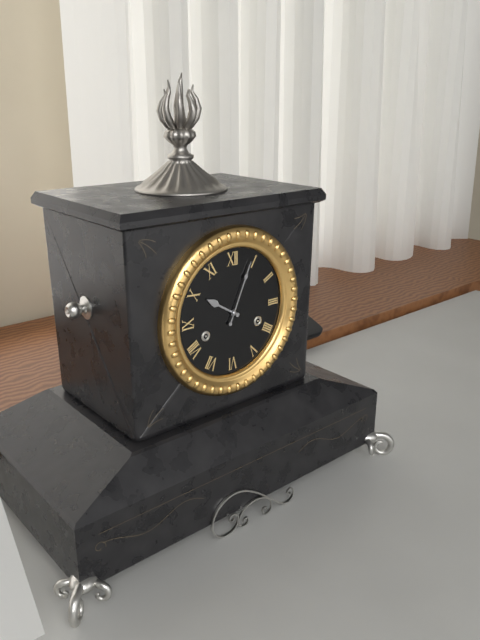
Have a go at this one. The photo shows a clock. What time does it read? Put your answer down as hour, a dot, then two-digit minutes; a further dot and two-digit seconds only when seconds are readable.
10.04
